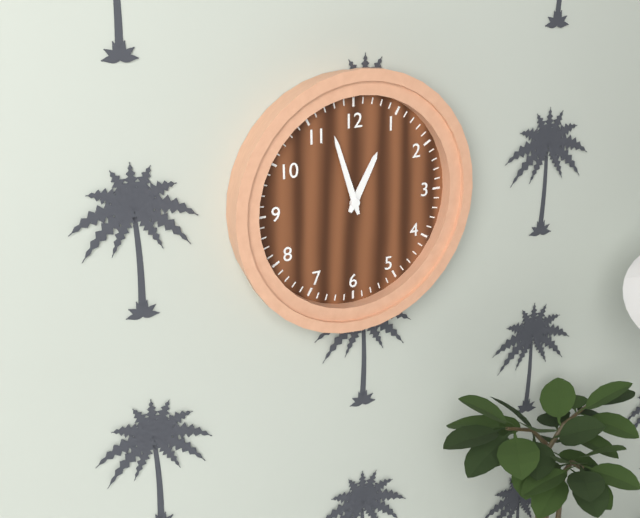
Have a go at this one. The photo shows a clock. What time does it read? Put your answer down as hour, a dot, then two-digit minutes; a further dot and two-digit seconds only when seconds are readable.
12.57
